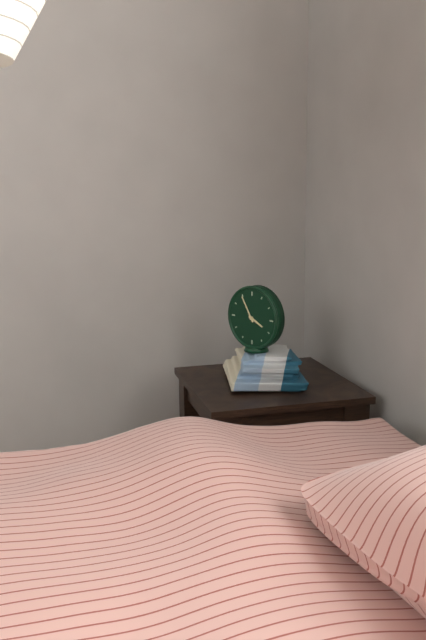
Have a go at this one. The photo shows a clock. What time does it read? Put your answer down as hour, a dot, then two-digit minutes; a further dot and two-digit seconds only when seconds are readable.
3.55
